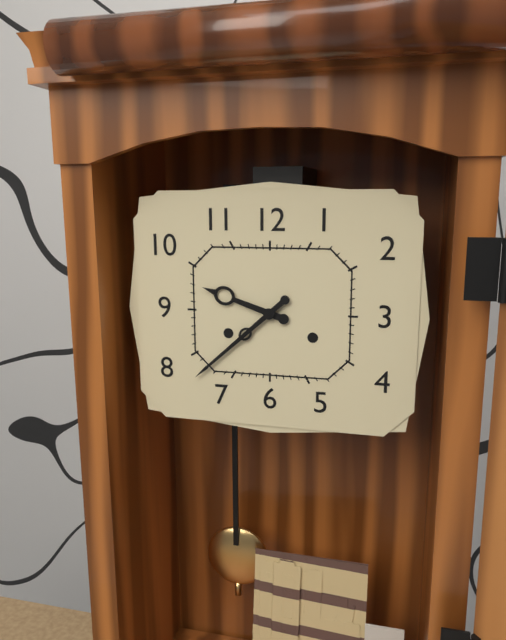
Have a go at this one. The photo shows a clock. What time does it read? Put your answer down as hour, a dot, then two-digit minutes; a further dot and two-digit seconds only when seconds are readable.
9.38
